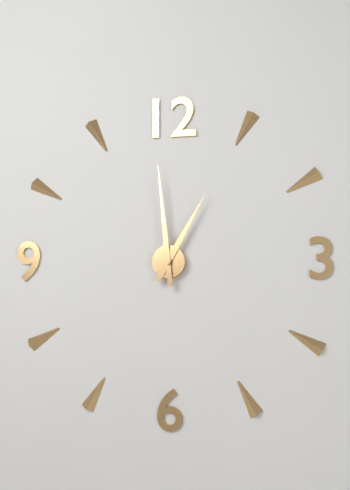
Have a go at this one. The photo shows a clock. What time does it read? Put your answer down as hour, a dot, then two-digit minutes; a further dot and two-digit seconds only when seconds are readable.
12.59
